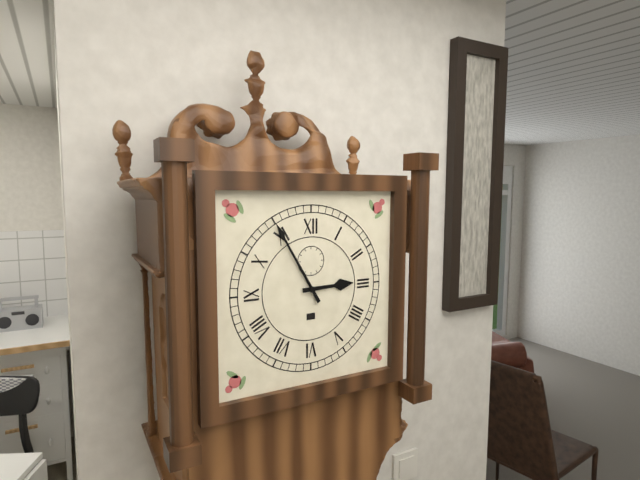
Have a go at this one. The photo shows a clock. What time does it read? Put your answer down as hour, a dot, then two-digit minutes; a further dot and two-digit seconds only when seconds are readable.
2.55
